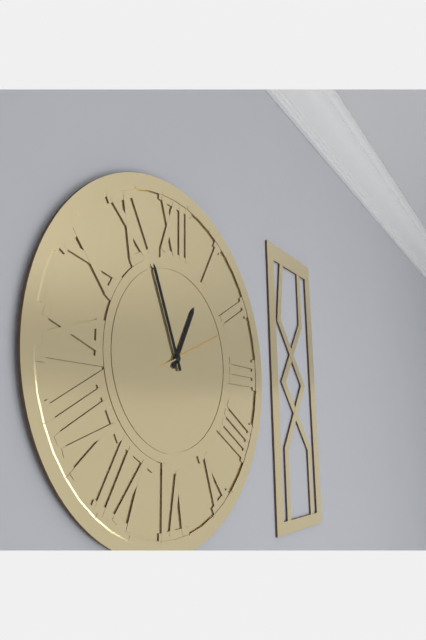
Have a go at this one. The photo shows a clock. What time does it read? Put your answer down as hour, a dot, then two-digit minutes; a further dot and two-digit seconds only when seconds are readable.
12.56.11
